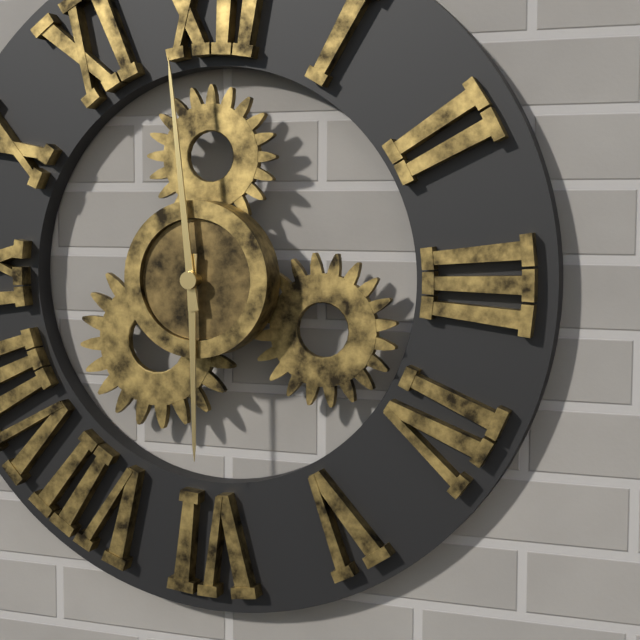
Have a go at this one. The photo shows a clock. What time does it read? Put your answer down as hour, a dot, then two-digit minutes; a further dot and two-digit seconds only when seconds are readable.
5.59
